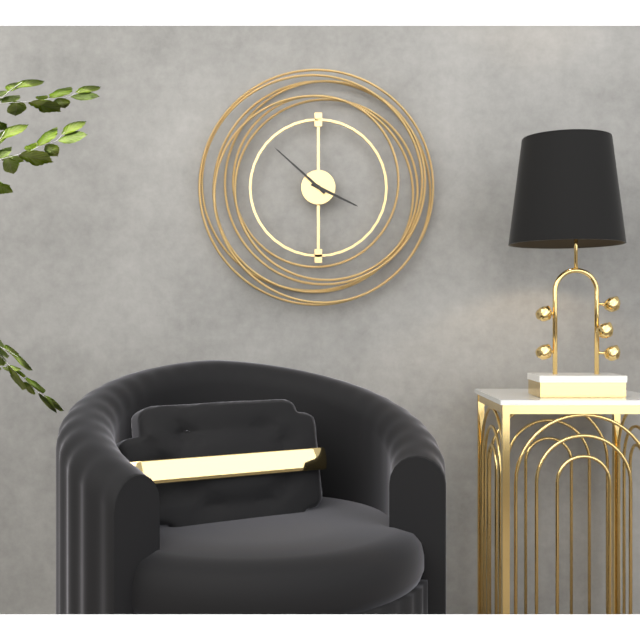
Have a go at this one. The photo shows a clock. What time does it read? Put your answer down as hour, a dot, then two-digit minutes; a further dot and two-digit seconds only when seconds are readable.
3.52
